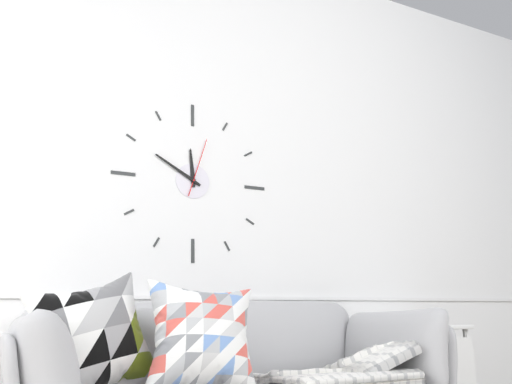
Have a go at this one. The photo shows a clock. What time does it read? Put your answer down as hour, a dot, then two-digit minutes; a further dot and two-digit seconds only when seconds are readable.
11.50.03
